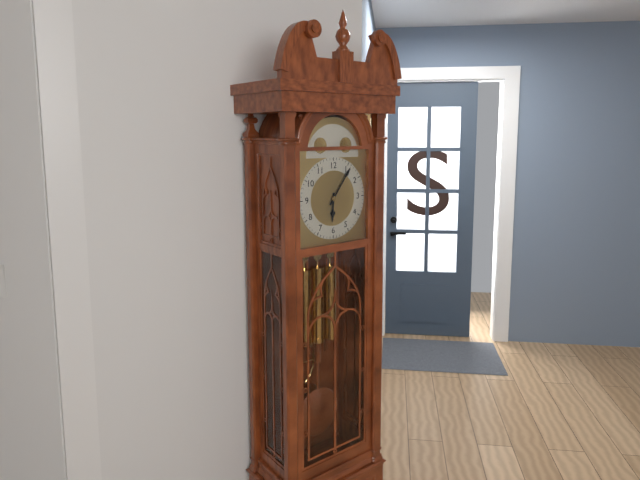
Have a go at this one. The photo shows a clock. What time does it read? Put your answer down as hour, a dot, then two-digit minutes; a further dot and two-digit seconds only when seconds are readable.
6.06
